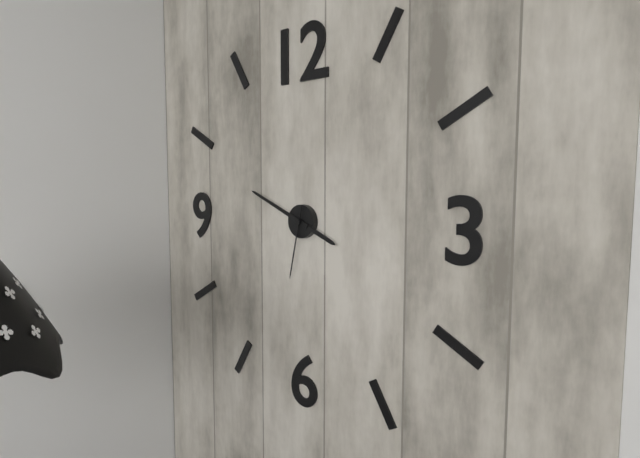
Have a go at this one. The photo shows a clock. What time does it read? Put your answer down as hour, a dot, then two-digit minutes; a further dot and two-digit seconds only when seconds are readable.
3.49.32
